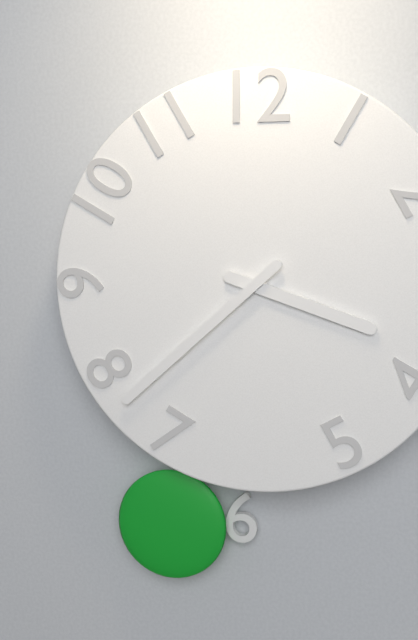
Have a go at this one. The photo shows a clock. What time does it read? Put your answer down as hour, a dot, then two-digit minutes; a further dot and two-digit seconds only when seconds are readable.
3.38
